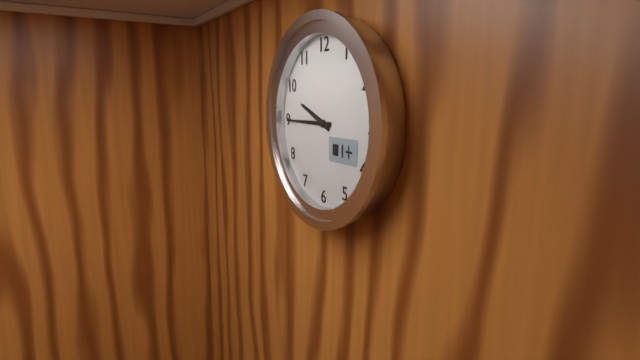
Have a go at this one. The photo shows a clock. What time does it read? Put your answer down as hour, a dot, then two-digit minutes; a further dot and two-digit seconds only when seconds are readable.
9.45
